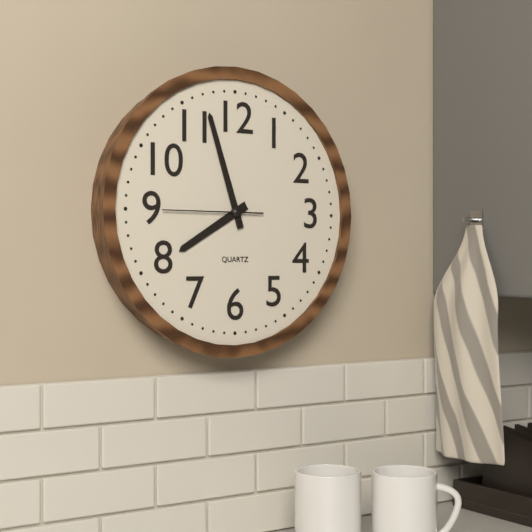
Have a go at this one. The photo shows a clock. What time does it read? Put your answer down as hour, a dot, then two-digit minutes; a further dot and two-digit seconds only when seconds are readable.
7.57.45
